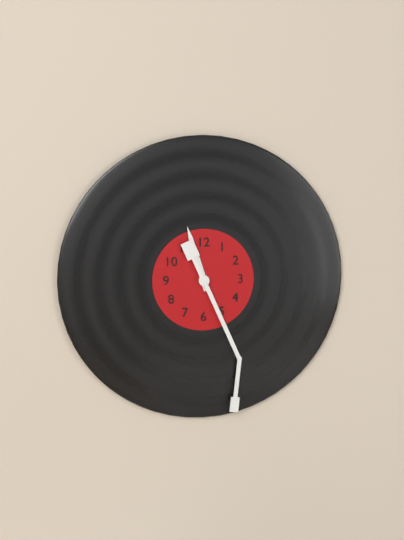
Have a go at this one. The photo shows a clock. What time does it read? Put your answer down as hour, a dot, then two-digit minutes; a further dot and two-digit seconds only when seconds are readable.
11.26
